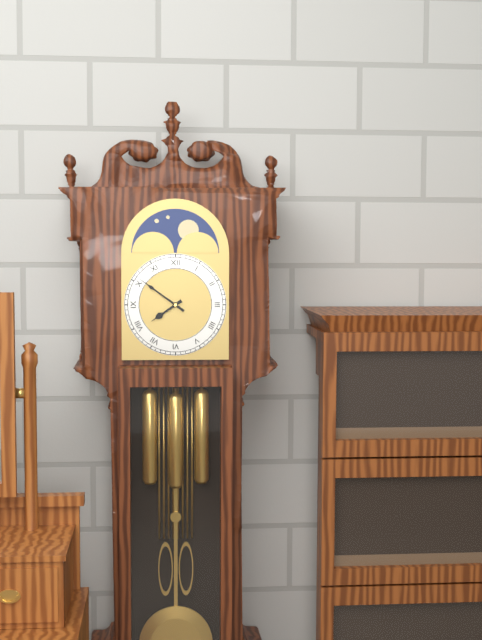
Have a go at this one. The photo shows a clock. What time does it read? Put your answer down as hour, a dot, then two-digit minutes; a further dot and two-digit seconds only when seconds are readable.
7.51
